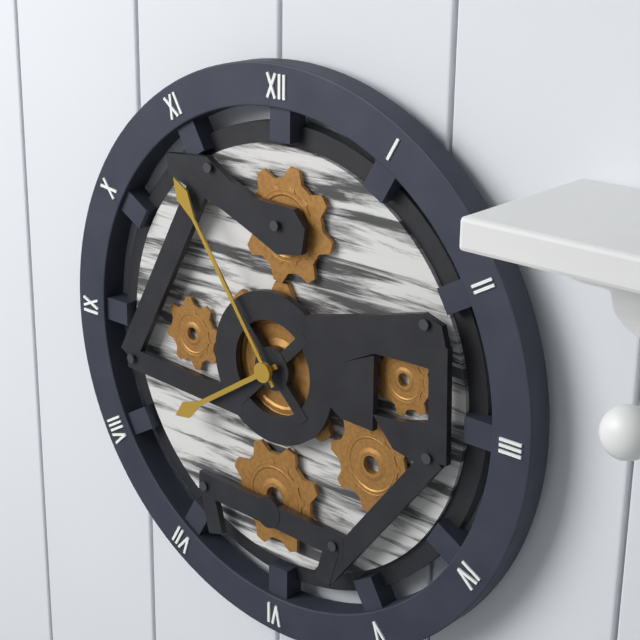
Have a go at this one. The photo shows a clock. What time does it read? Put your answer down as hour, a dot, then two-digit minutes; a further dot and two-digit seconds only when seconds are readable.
7.54
